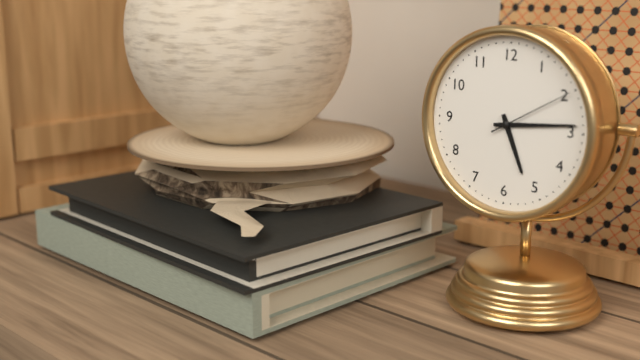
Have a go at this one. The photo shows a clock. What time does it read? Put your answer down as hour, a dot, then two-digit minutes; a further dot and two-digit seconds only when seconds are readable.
5.14.10
